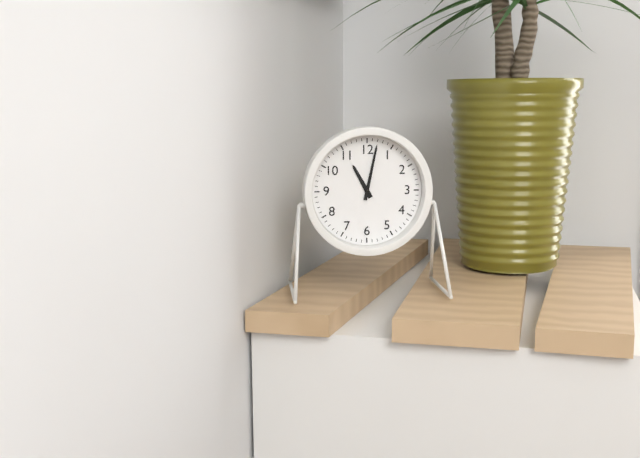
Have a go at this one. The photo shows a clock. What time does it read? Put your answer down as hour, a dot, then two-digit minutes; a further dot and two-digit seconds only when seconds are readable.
11.02
